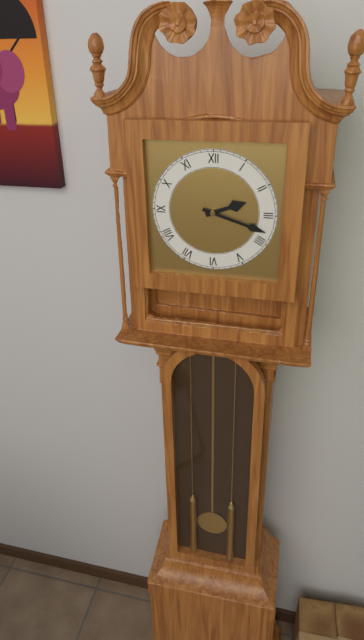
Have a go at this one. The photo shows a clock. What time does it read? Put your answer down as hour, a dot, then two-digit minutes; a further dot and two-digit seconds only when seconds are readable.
2.18
